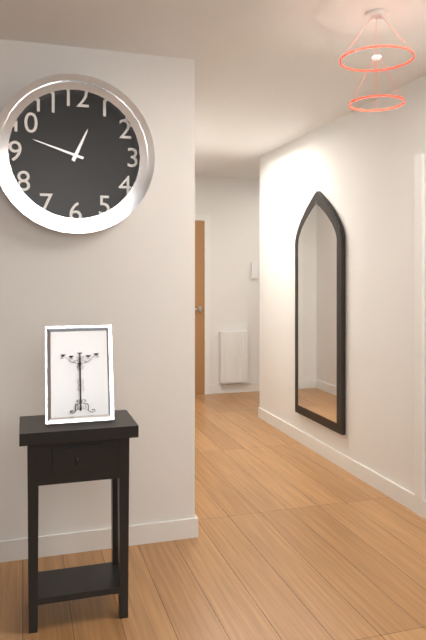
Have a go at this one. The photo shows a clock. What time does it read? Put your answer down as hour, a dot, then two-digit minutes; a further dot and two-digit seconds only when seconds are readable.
12.48
